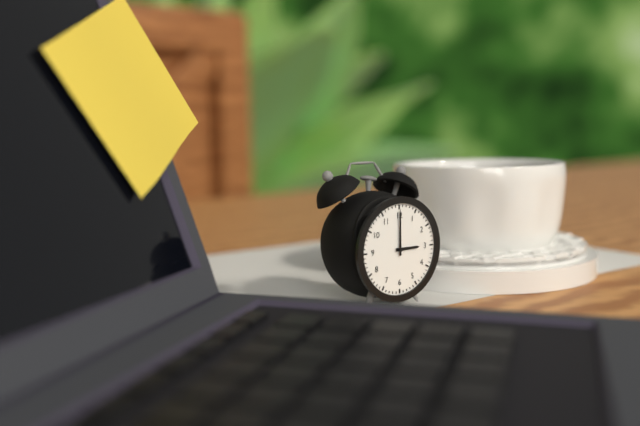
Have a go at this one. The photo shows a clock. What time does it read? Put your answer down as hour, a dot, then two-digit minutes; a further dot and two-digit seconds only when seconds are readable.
3.00
